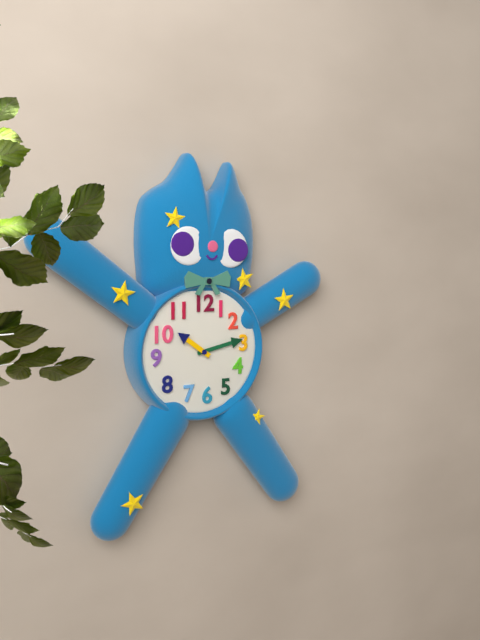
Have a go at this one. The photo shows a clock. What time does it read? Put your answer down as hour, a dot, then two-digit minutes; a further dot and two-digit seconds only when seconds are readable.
10.13
